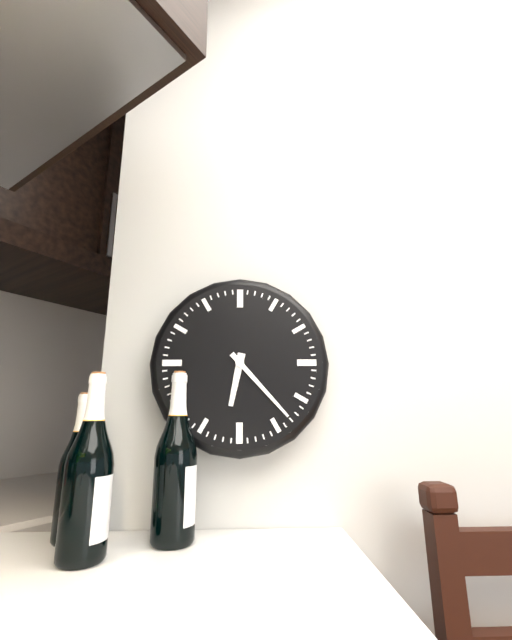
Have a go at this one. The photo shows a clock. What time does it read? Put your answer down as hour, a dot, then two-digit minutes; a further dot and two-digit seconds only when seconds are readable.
6.23
